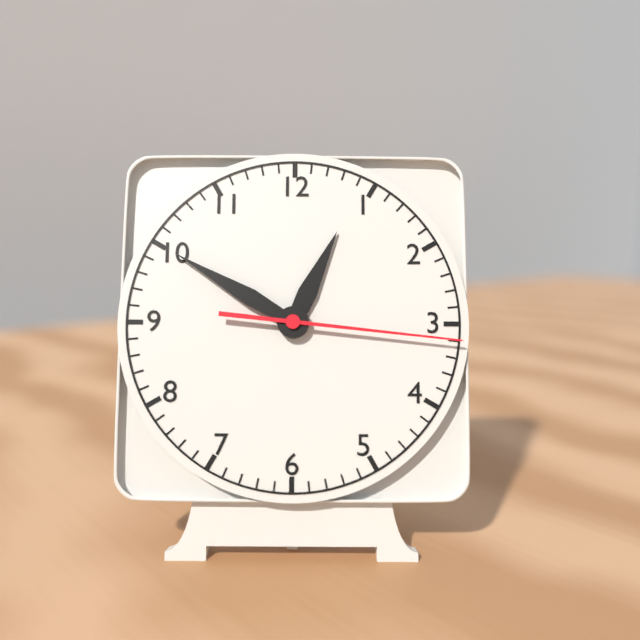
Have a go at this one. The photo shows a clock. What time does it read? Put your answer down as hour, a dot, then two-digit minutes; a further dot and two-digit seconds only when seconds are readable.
12.50.16
